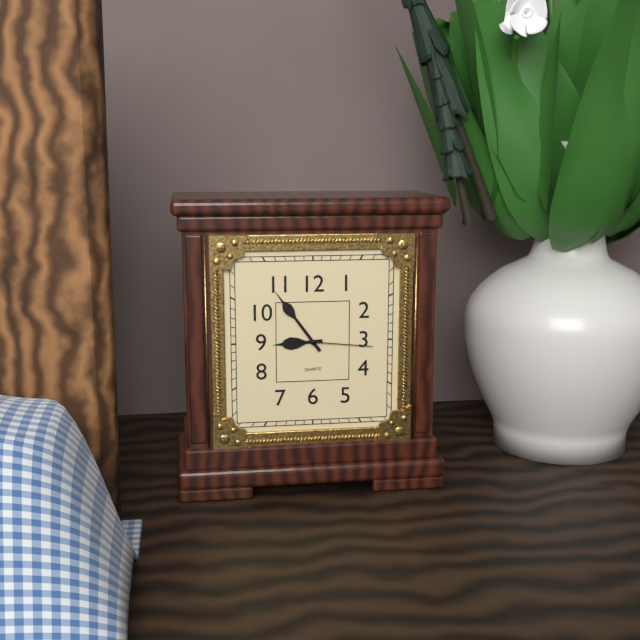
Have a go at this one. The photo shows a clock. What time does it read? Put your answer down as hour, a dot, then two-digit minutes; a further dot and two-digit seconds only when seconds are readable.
8.54.16
